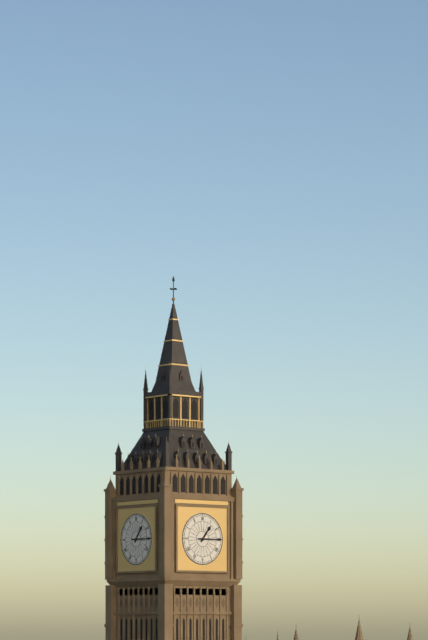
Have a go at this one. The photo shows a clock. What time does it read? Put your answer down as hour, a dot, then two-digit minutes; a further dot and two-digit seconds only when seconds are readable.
1.15
